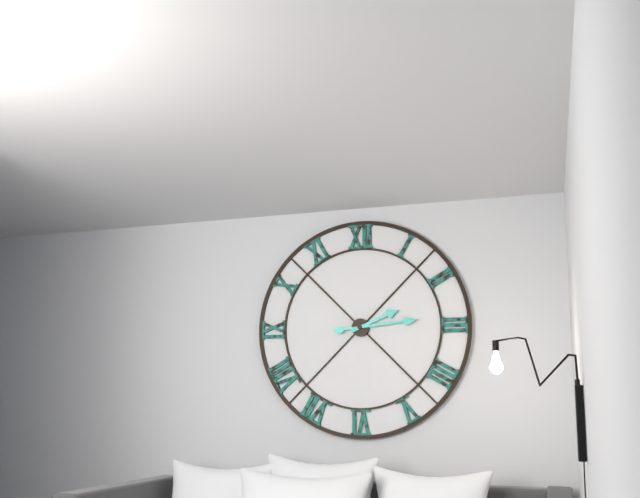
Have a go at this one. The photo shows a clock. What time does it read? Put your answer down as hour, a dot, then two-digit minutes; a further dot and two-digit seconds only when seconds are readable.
2.14
